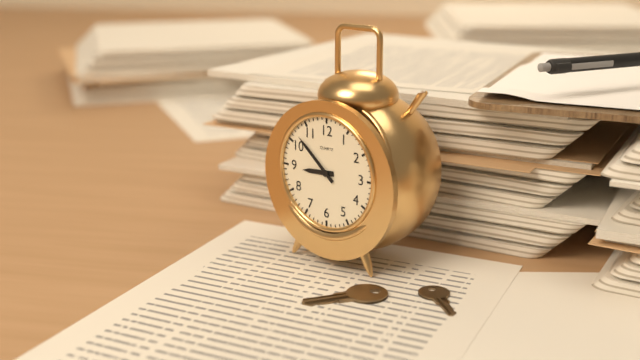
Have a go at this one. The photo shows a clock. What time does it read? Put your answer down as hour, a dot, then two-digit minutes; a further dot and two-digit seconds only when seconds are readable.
8.52
